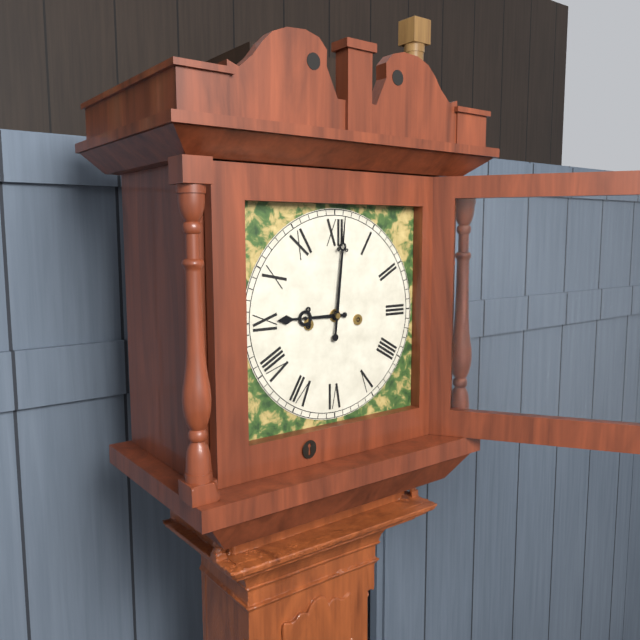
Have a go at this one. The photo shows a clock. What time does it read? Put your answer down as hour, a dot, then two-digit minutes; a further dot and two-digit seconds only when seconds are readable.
9.01
